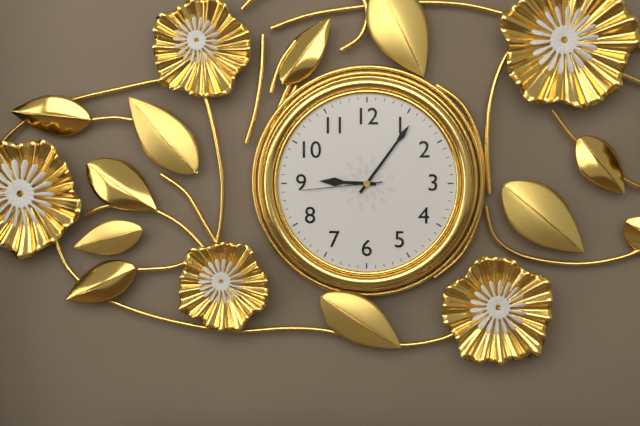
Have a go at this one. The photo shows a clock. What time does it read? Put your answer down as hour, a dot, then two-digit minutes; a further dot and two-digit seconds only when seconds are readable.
9.06.44
